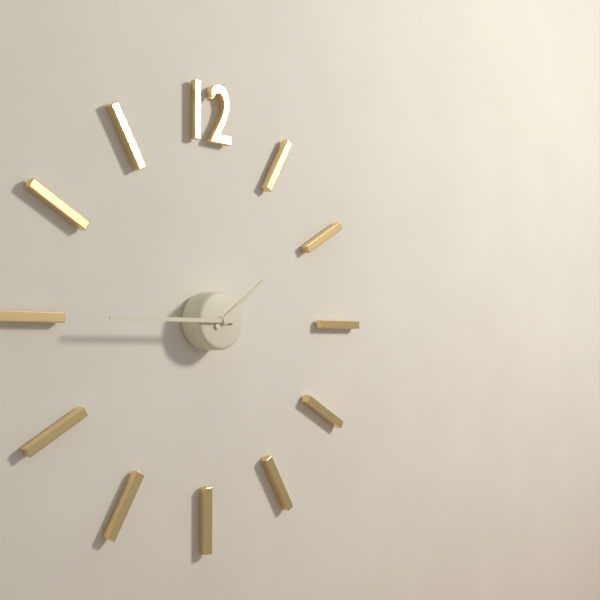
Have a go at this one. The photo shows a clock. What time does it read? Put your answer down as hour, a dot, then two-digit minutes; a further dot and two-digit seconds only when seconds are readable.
1.45
